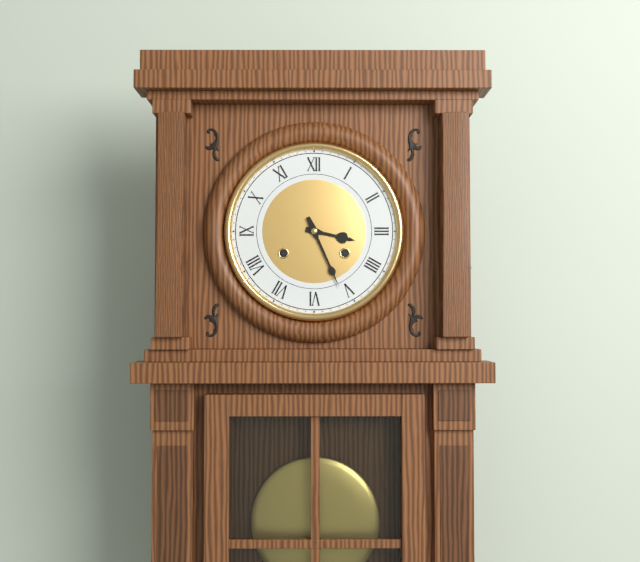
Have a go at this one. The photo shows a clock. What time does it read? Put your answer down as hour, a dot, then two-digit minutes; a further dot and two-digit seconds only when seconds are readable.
3.26
